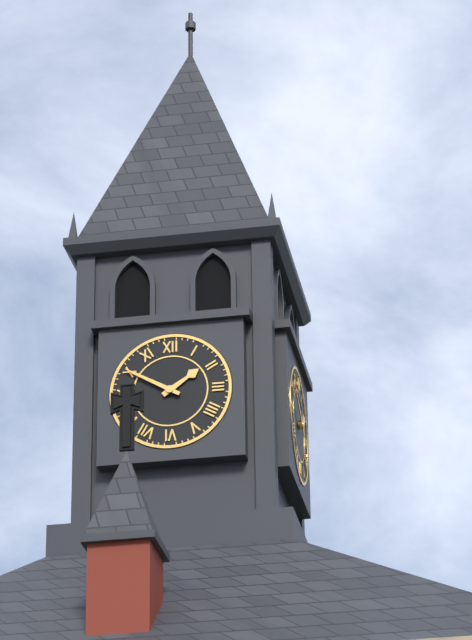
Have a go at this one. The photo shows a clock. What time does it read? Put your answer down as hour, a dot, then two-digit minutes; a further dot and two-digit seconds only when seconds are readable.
1.50
